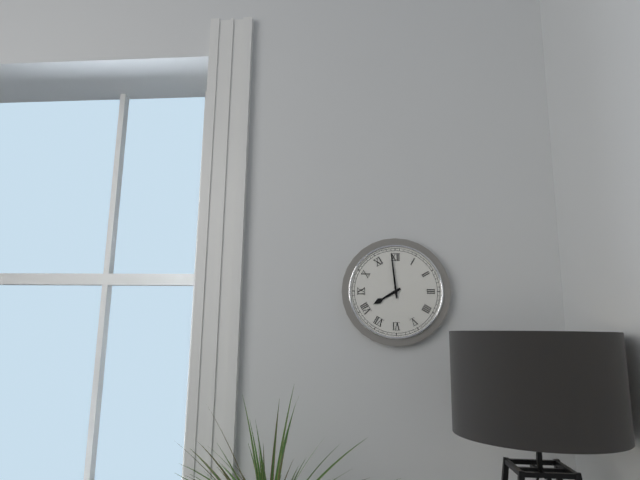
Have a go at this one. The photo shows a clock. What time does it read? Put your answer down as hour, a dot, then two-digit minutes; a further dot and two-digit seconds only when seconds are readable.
7.59
